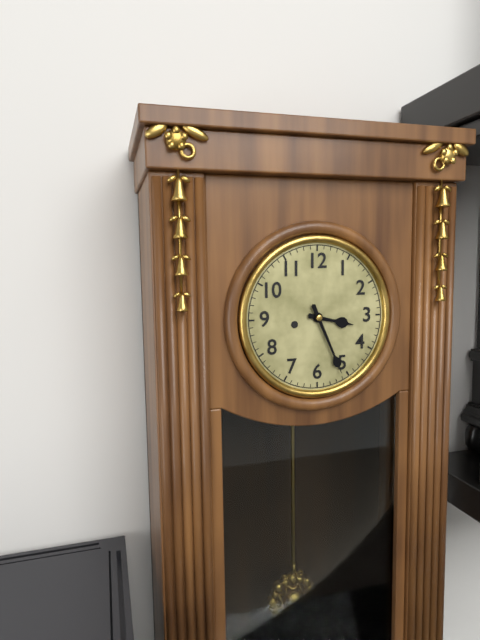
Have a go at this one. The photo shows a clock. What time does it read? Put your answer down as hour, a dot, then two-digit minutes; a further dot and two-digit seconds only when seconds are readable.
3.26
